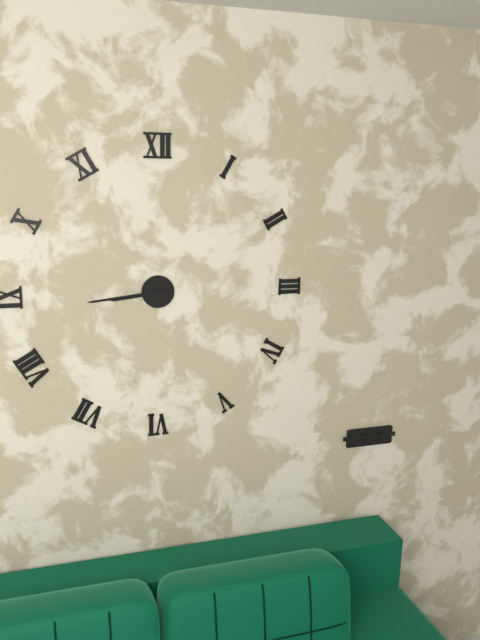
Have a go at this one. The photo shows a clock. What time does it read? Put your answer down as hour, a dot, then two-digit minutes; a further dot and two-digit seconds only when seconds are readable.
8.44
